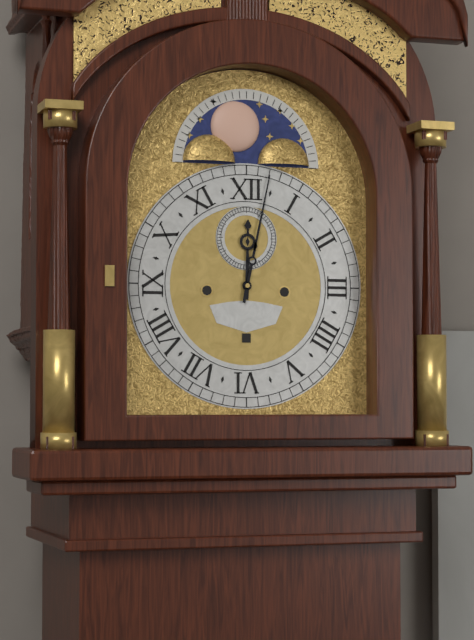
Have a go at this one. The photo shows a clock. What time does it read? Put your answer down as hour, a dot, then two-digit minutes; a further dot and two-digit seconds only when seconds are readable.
12.02
